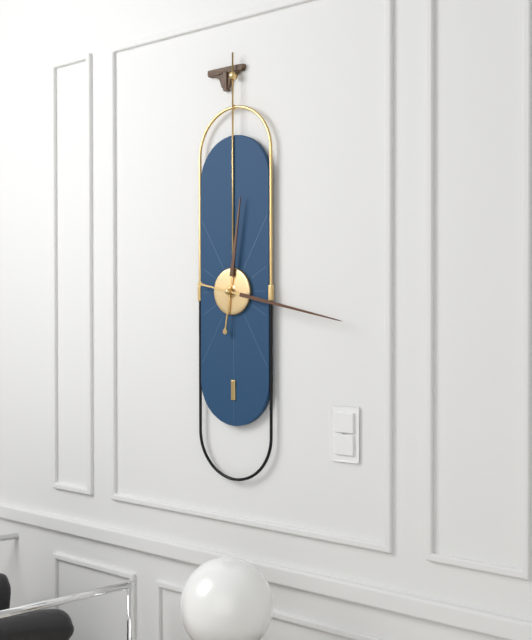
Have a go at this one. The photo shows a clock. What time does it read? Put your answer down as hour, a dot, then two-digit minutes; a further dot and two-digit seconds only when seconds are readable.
12.17
